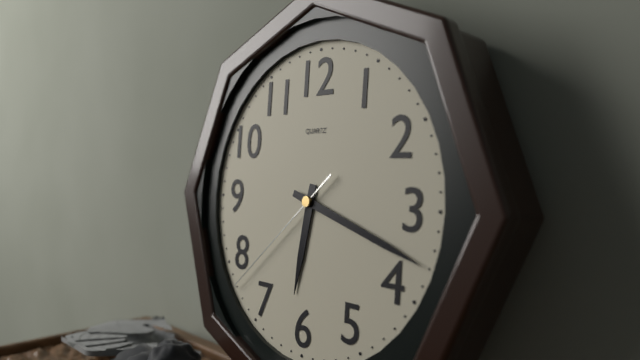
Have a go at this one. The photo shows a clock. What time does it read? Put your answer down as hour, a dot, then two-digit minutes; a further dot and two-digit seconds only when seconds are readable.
6.18.38
